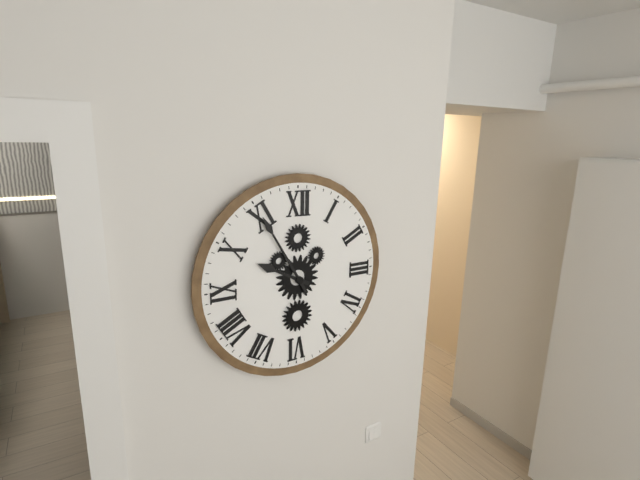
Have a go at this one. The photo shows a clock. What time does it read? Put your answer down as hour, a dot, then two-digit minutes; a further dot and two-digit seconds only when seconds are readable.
9.55
